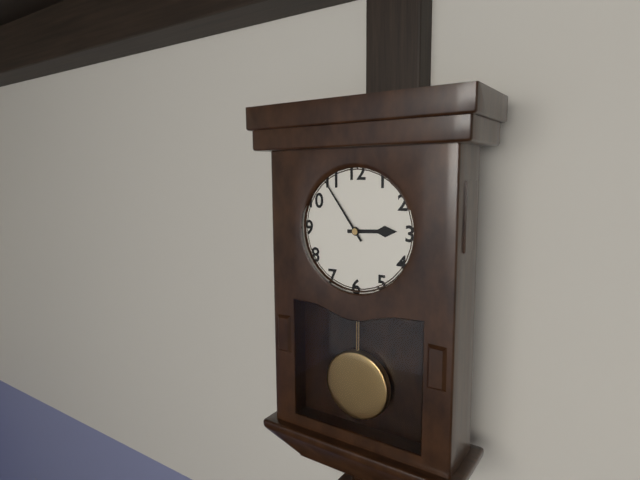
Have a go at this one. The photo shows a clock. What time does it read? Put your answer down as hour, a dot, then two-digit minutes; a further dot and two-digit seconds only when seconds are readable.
2.54
